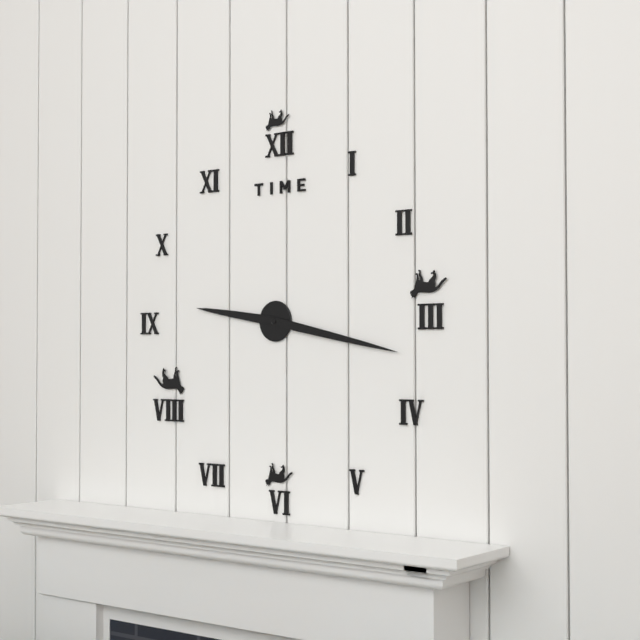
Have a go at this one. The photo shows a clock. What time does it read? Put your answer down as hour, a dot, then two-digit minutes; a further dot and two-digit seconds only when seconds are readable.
9.17
